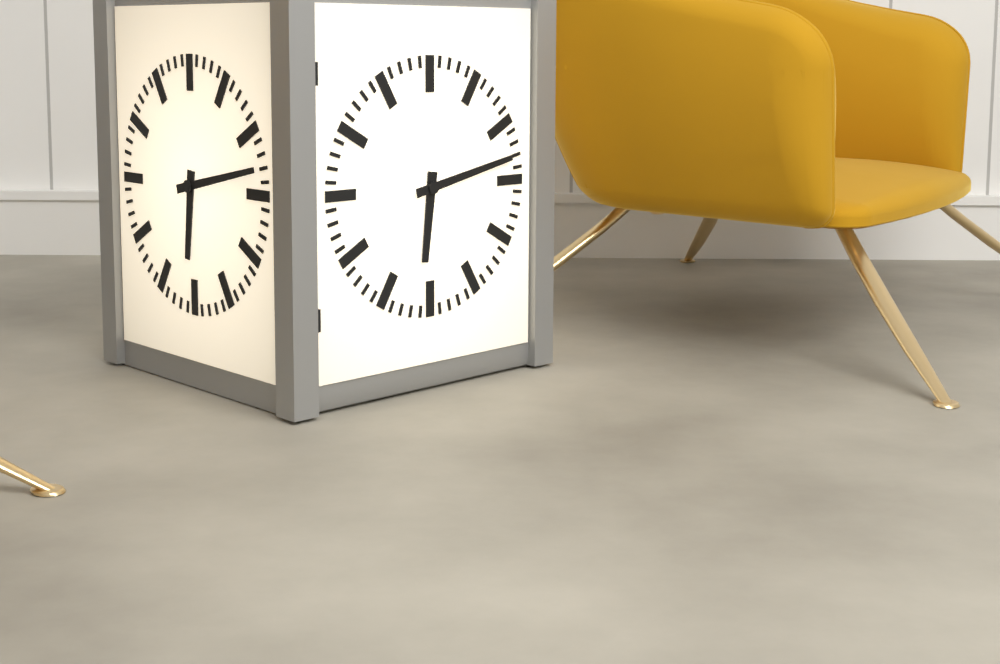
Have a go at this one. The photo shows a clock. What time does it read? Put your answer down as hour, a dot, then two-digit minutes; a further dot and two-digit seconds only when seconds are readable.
6.13
